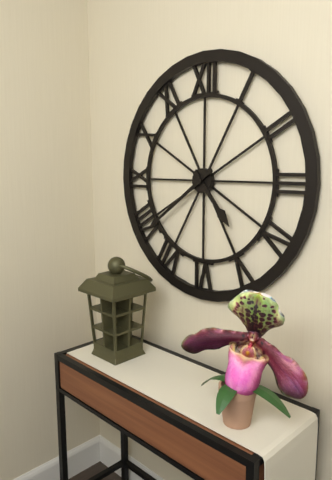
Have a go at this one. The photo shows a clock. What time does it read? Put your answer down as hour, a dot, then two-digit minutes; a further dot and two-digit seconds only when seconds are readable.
4.39
